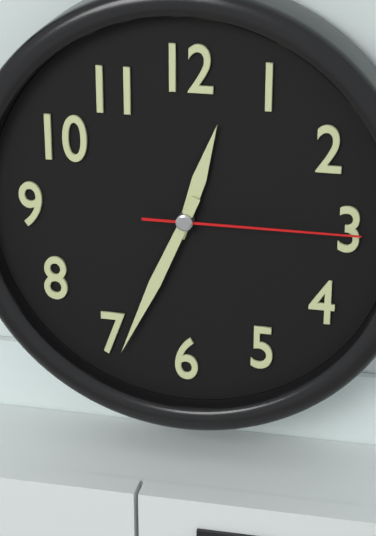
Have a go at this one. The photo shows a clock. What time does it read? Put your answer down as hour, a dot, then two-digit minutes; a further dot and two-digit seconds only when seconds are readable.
12.34.15
